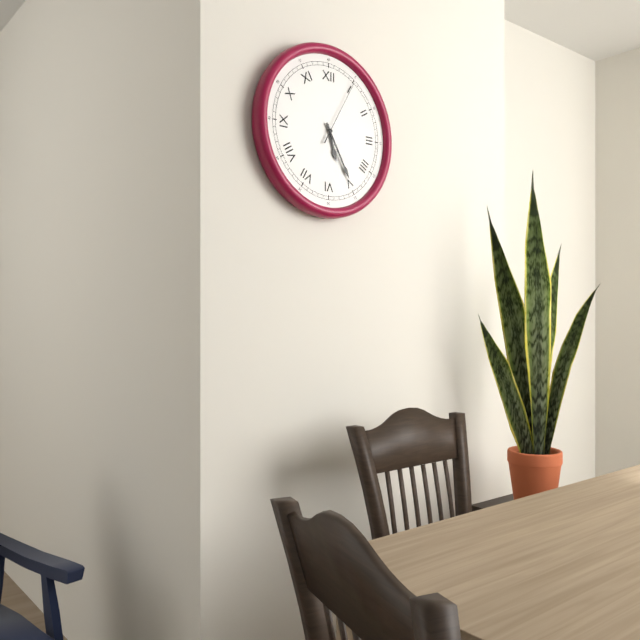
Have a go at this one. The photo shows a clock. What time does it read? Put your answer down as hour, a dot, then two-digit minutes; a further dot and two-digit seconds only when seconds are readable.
5.25.05
